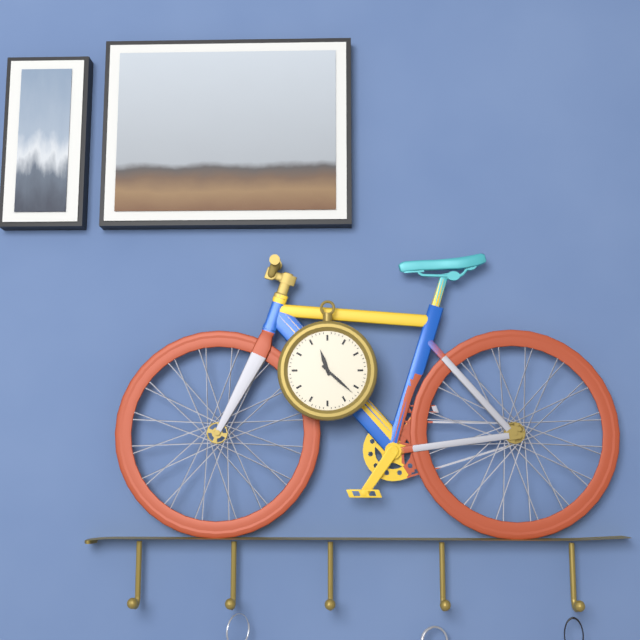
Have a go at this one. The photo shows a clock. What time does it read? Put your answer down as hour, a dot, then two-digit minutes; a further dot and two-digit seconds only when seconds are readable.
11.22
